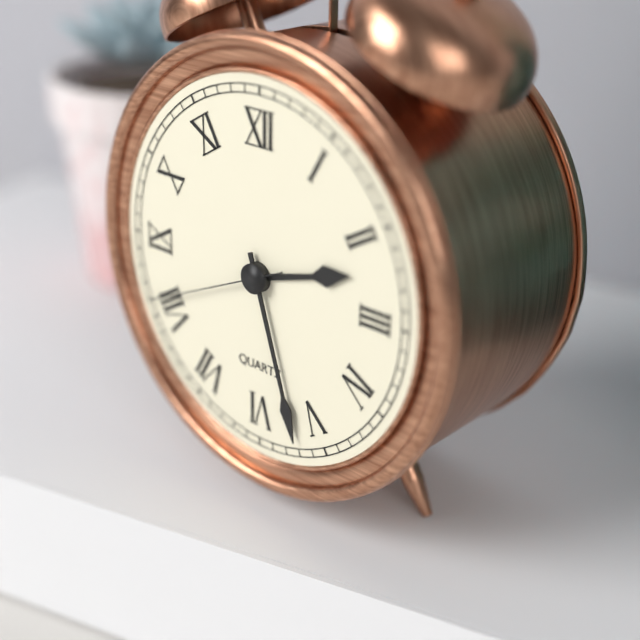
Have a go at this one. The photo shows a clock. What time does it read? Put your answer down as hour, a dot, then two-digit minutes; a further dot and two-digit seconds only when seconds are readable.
2.27.41
